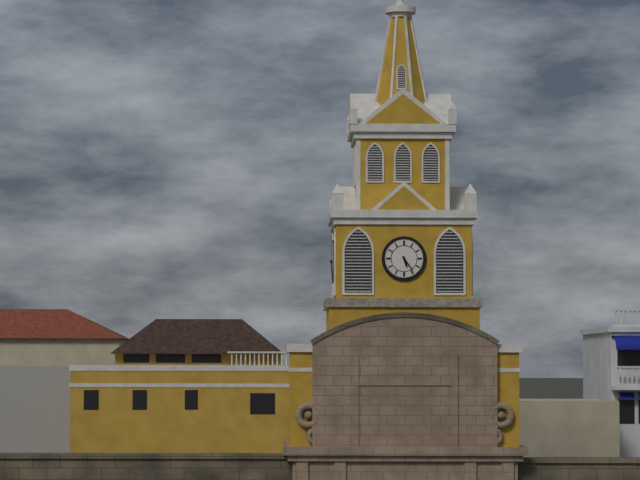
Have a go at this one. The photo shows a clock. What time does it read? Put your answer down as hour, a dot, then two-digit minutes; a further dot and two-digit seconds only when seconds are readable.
5.24
